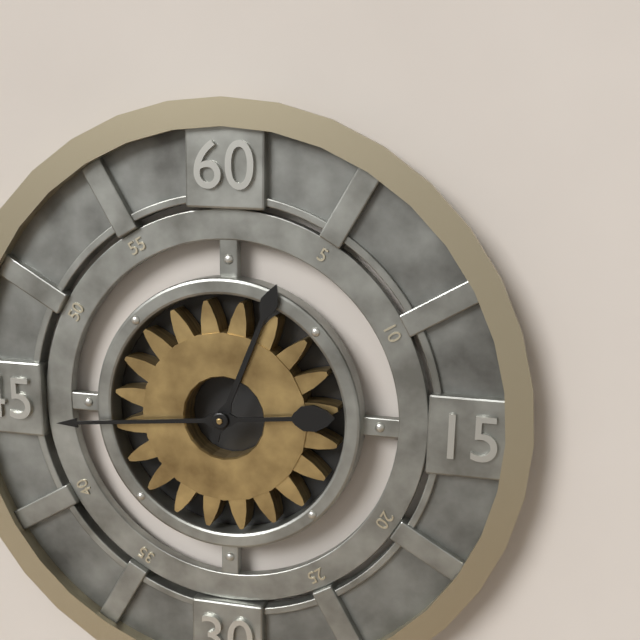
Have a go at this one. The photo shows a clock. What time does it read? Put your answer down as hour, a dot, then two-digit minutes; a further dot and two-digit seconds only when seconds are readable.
12.44
